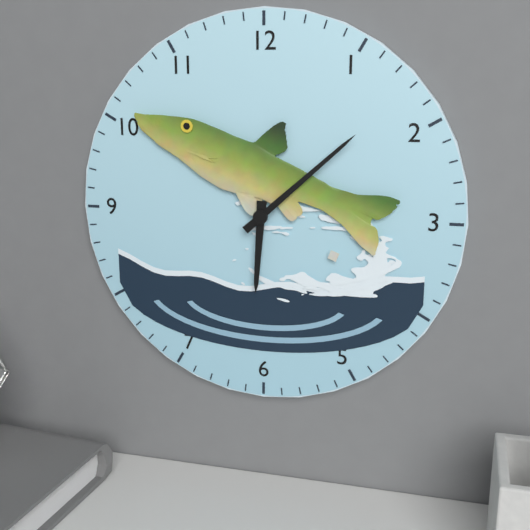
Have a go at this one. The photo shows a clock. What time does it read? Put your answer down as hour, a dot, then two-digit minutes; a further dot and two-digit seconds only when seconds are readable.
6.08
